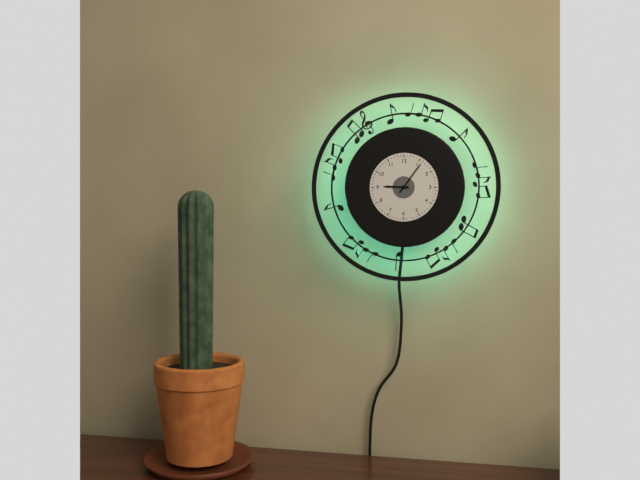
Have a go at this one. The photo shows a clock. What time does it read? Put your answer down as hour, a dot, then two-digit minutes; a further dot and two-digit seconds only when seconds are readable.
9.06
